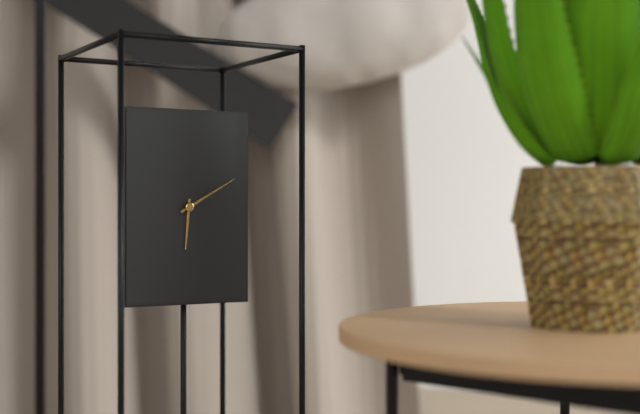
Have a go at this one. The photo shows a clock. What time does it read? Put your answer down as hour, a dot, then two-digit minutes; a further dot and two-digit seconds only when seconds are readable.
6.10
